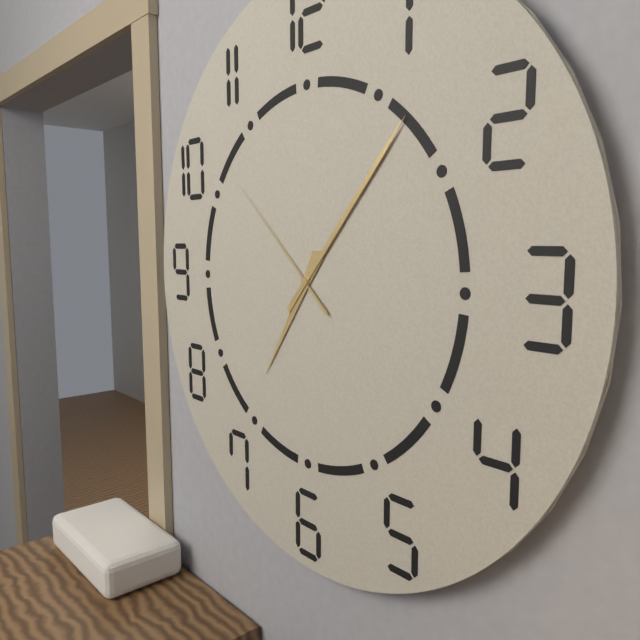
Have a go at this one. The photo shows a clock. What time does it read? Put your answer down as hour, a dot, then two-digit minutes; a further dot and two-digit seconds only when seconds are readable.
7.07.52
